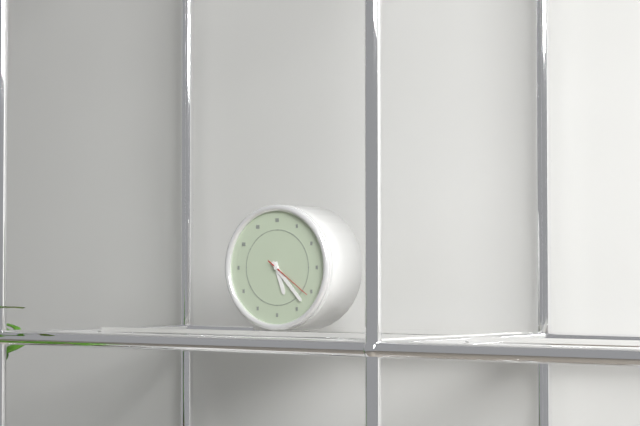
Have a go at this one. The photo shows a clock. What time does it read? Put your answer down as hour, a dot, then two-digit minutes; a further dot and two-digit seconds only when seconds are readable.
5.23
